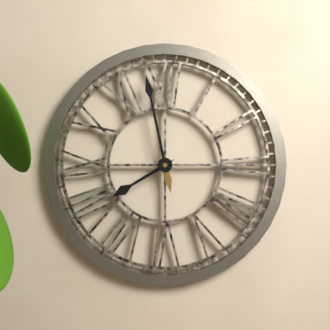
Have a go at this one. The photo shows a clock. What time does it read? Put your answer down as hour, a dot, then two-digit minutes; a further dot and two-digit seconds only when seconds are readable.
7.58
